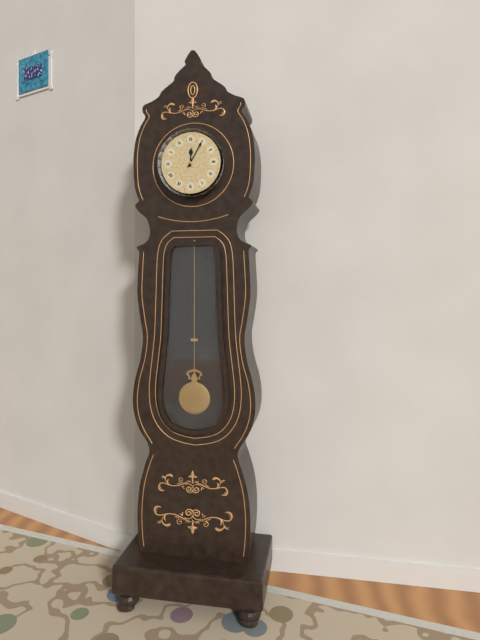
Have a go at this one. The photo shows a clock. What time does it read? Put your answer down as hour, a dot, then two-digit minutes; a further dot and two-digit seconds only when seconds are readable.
12.05
